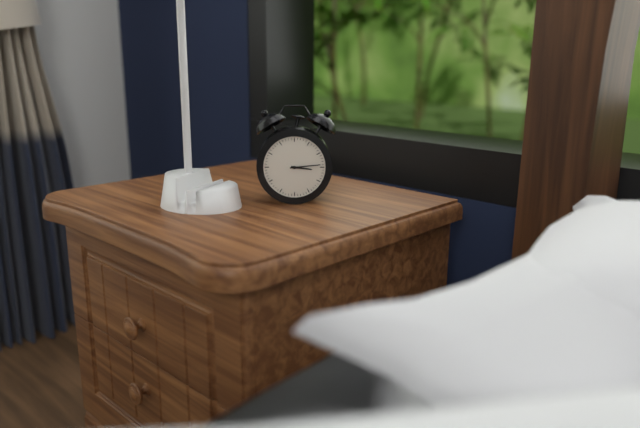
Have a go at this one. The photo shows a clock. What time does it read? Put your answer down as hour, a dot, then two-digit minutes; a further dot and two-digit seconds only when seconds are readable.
3.14
